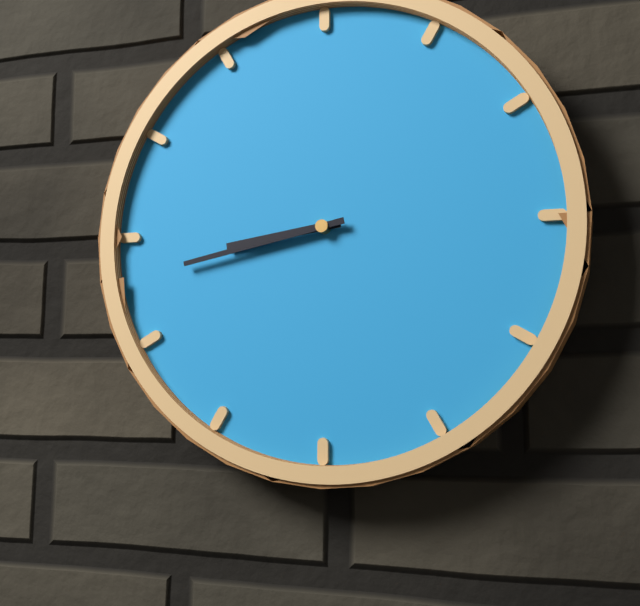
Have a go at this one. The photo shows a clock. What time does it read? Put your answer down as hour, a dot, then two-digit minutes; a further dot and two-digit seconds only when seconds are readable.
8.43
